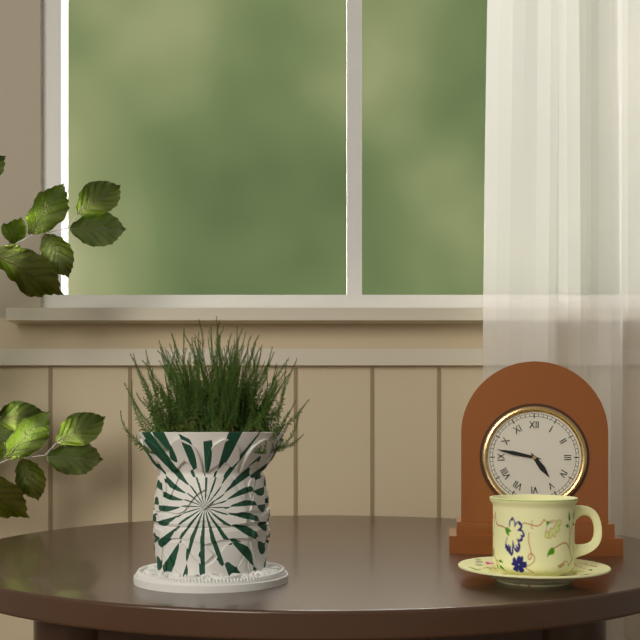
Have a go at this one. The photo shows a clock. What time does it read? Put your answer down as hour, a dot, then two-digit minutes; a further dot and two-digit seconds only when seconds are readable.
4.47
